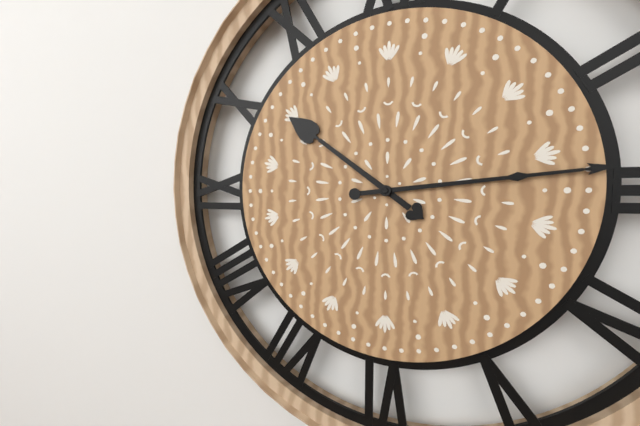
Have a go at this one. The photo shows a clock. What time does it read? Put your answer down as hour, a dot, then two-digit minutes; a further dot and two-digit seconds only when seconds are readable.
10.14
